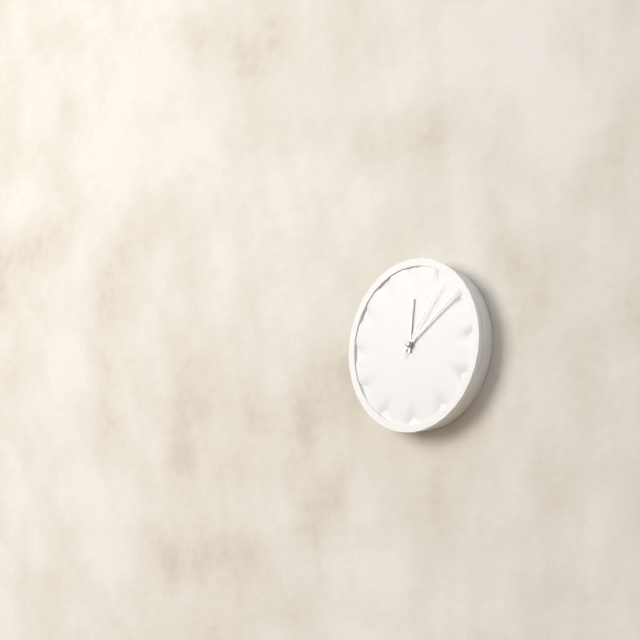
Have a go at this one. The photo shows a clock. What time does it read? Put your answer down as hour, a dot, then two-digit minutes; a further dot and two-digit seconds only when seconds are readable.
12.09.06
